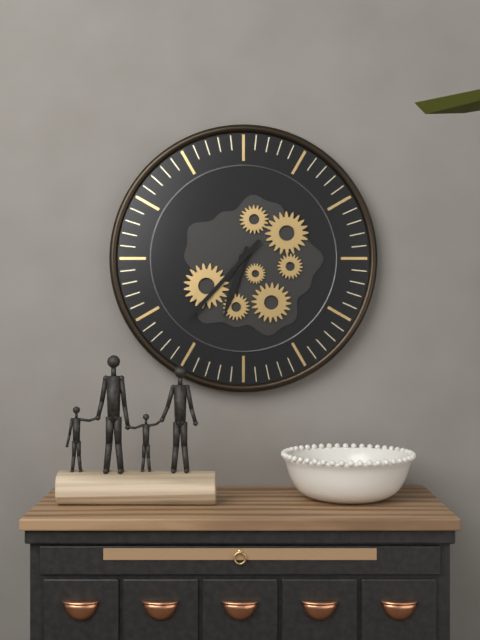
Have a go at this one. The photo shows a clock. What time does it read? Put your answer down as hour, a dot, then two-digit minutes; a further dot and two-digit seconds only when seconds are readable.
6.37
